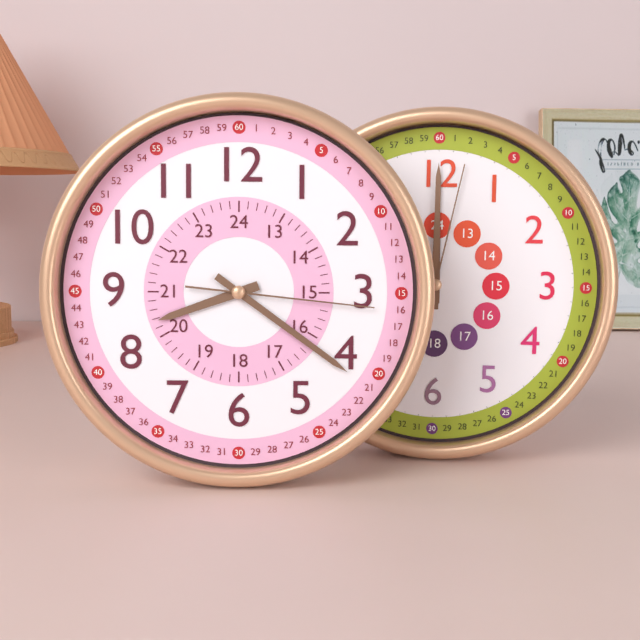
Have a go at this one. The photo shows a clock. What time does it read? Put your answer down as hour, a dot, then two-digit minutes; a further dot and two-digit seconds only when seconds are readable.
8.21.16
